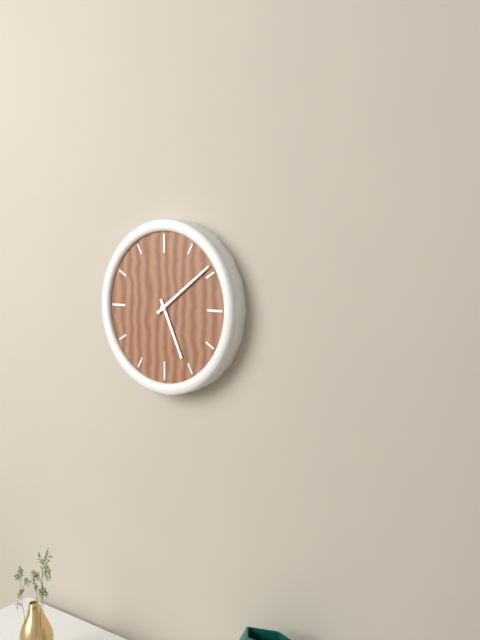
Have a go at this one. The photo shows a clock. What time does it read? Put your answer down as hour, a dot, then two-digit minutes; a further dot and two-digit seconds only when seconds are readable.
5.09
